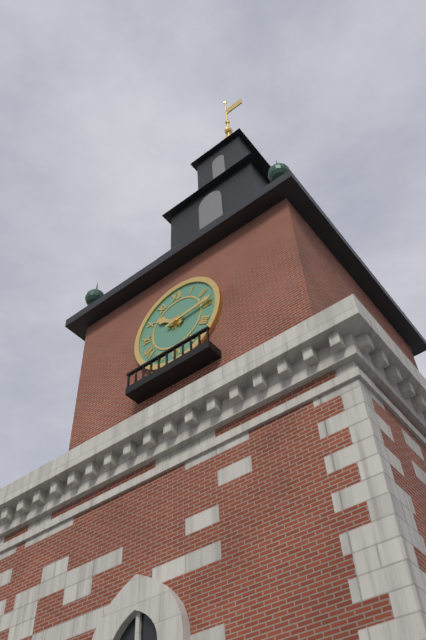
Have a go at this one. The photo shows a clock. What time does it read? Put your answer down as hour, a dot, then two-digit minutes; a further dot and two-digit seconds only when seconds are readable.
10.14
